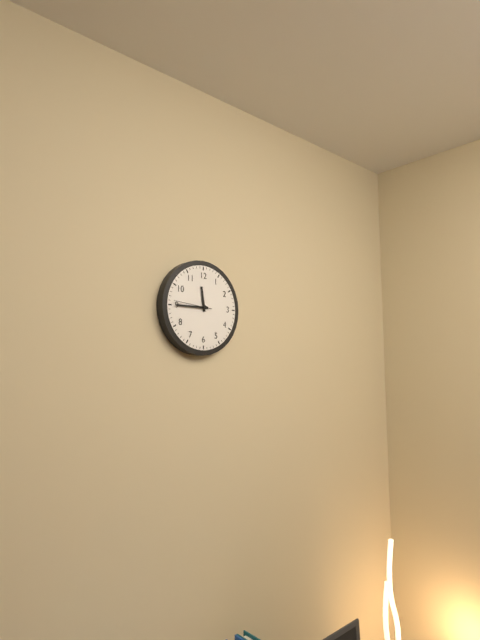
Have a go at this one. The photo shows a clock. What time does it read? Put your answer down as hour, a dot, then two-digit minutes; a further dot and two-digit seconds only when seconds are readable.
11.45
